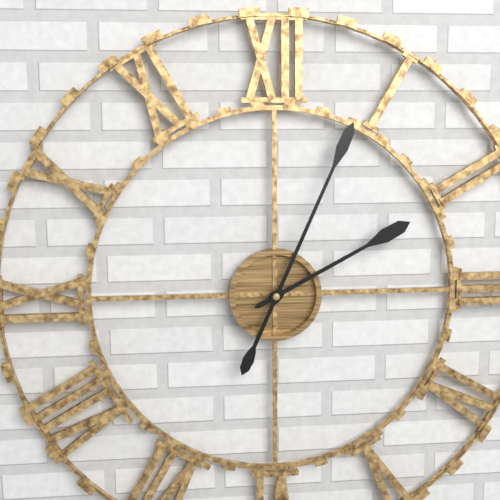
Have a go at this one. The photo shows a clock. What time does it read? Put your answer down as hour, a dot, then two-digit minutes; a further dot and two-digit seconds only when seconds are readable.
2.04
